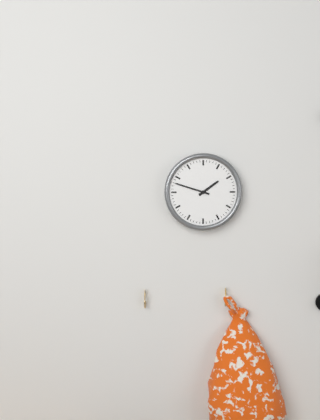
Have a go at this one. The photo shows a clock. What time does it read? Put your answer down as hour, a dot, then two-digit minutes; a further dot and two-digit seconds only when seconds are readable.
1.48
